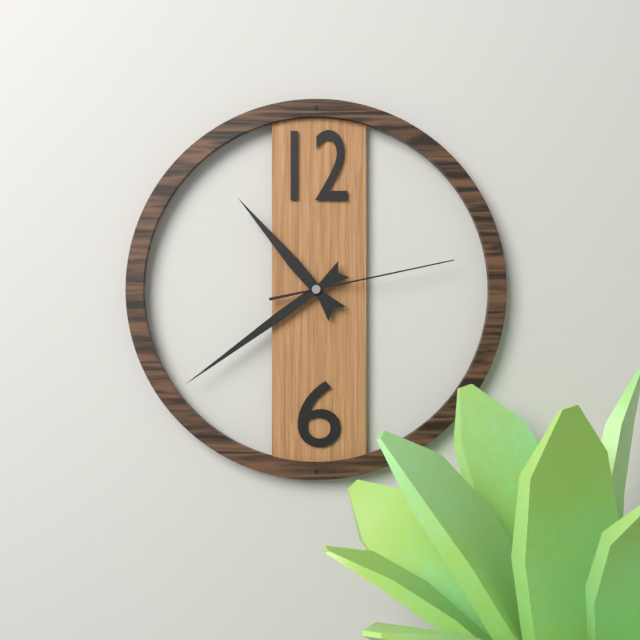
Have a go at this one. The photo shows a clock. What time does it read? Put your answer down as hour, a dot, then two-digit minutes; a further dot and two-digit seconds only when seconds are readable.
10.39.13
